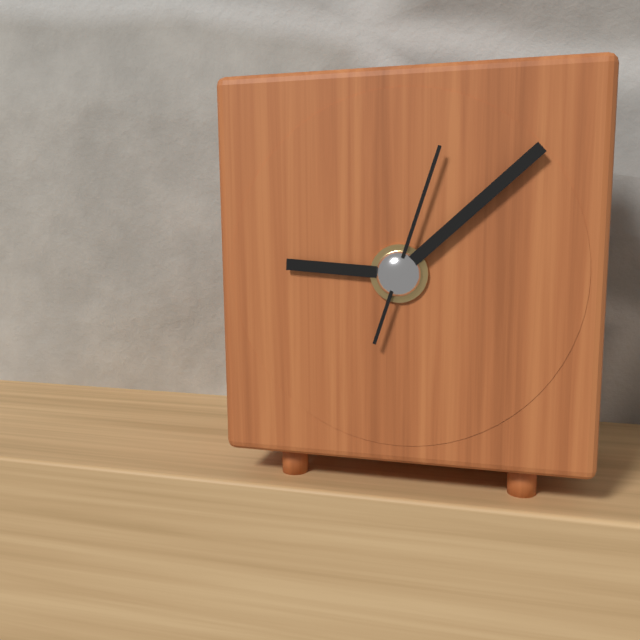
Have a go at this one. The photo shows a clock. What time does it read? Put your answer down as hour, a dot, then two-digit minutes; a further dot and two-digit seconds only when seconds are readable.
9.08.03
